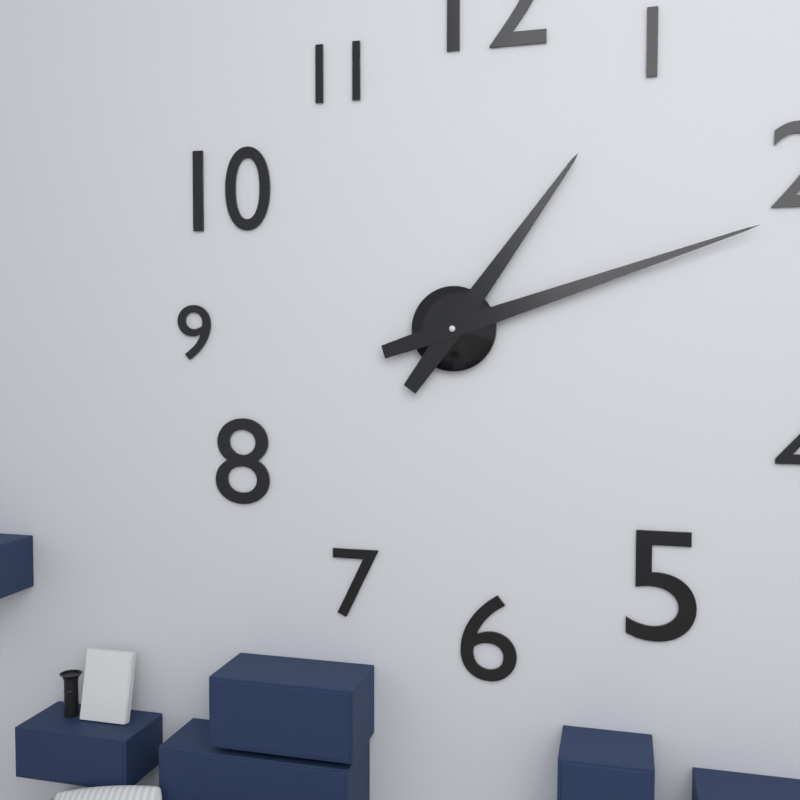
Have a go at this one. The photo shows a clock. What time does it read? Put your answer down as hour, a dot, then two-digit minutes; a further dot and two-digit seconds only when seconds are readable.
1.12
